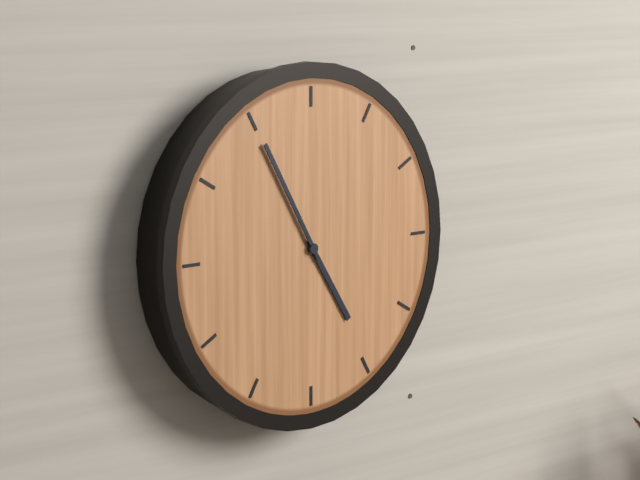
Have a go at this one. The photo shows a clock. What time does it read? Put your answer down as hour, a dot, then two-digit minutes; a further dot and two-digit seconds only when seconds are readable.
4.55
